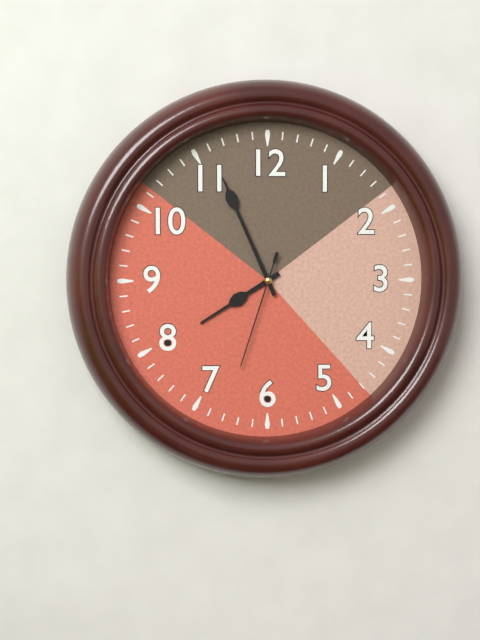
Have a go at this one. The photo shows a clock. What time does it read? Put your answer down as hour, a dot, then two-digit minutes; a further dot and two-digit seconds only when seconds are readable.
7.56.33
